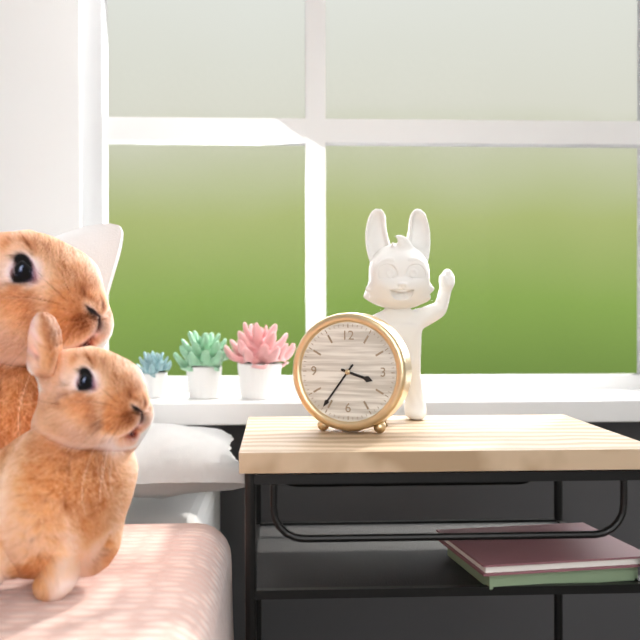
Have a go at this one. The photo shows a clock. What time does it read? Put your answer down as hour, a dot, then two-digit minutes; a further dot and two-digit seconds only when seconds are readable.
3.36
